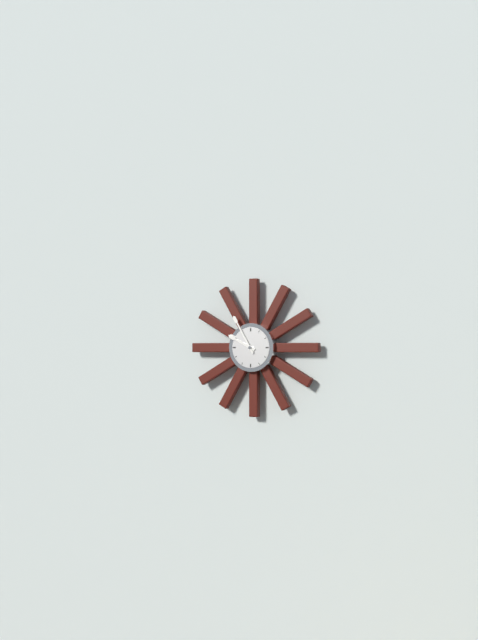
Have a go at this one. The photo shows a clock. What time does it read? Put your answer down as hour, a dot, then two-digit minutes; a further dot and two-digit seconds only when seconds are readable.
9.55
